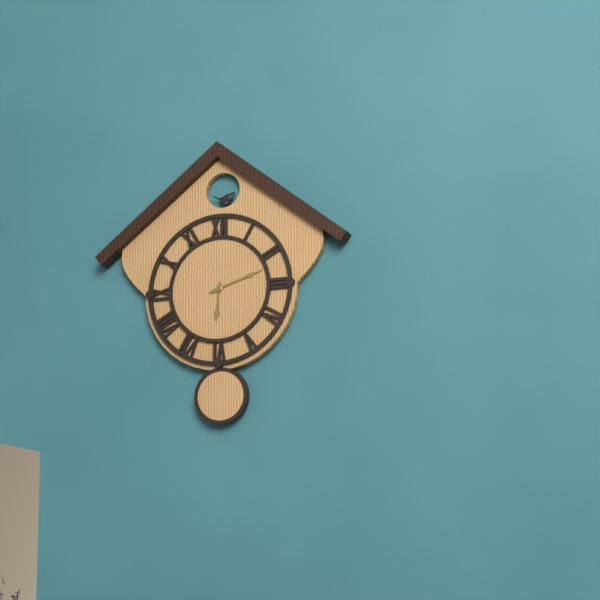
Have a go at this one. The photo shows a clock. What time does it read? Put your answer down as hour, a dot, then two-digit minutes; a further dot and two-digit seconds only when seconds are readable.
6.12
